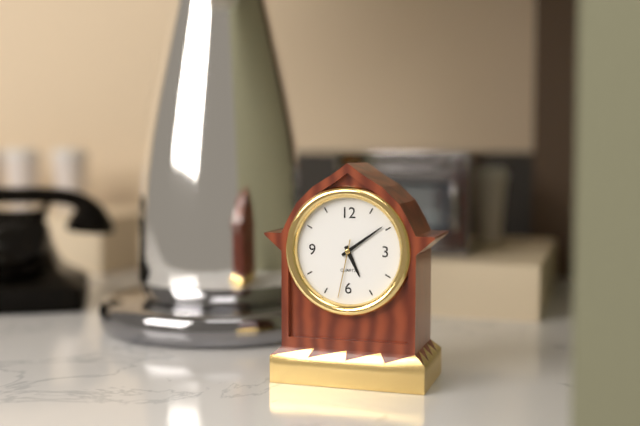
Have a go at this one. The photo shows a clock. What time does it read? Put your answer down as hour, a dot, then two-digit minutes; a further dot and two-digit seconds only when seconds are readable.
5.09.32
